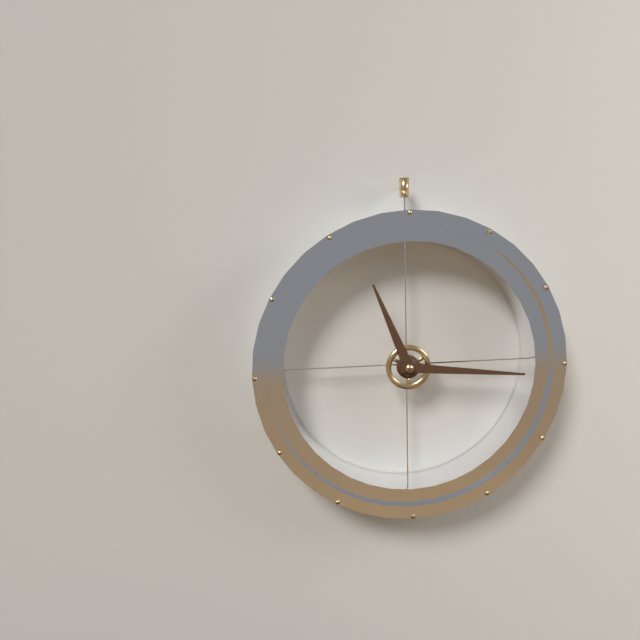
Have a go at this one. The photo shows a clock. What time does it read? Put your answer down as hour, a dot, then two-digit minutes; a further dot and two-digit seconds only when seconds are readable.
11.16
